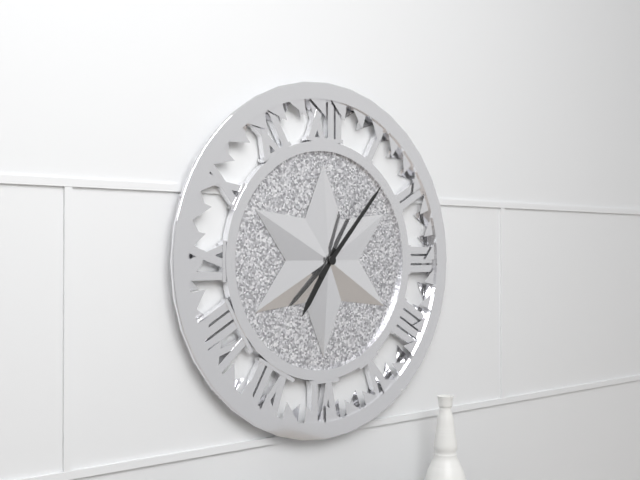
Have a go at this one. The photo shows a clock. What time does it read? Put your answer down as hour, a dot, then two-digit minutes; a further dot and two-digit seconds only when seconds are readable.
7.07
